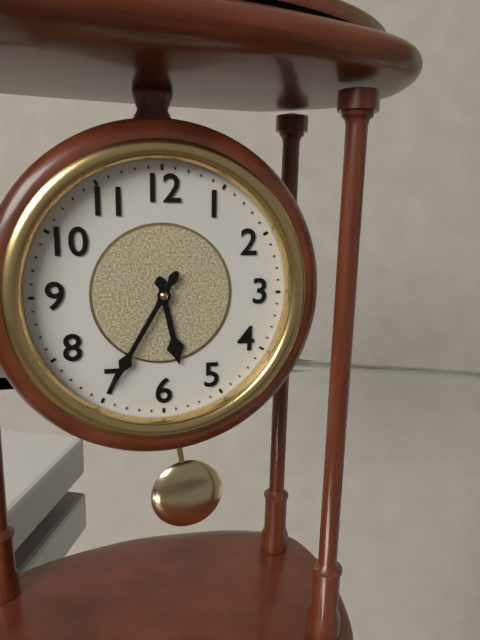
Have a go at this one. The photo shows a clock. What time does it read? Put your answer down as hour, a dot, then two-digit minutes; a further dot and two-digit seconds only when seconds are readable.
5.35
